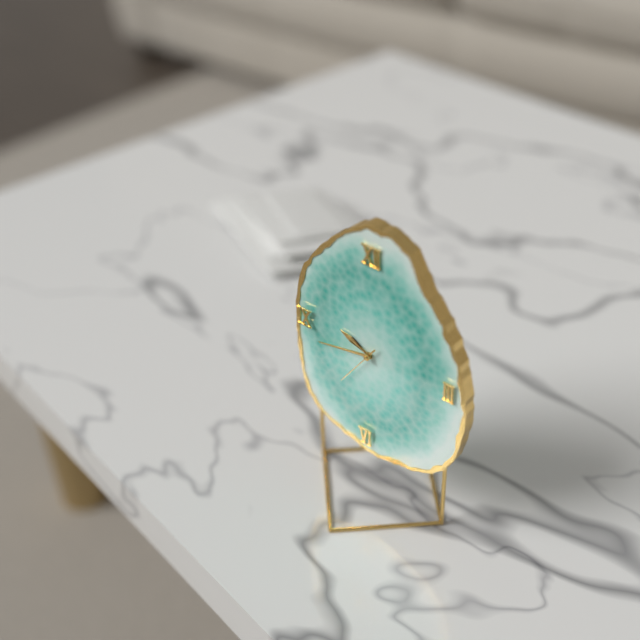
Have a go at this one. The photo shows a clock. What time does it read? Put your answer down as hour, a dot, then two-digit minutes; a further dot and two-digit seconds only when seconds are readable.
9.43.36
